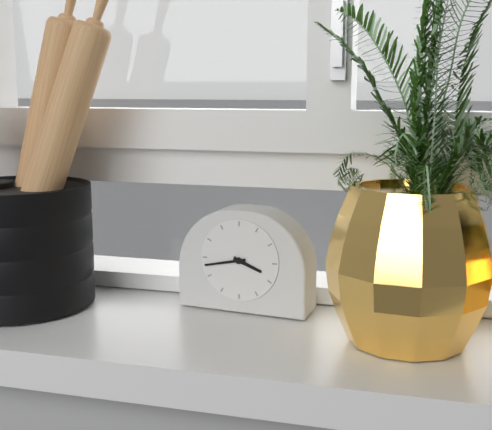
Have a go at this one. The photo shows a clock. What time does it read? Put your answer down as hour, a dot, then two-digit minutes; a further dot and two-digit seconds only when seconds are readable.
3.43
